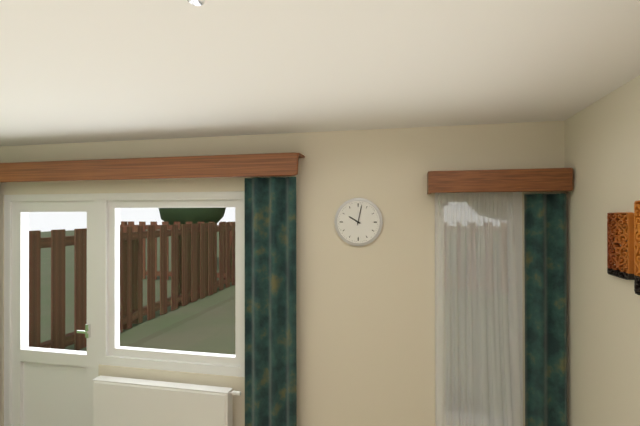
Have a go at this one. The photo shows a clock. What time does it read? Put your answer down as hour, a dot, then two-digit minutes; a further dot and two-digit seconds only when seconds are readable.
10.02
